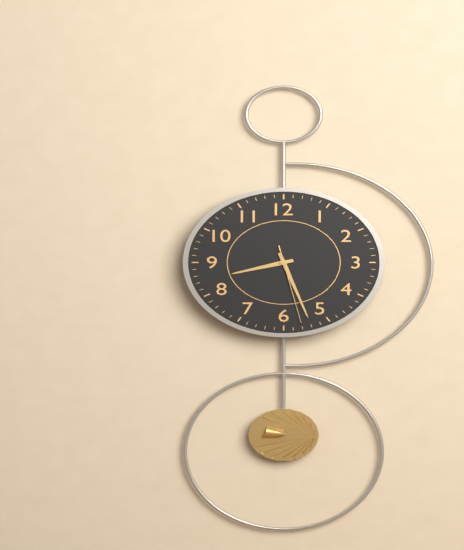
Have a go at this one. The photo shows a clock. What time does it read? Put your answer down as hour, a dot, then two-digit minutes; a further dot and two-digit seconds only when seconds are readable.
8.27.28
